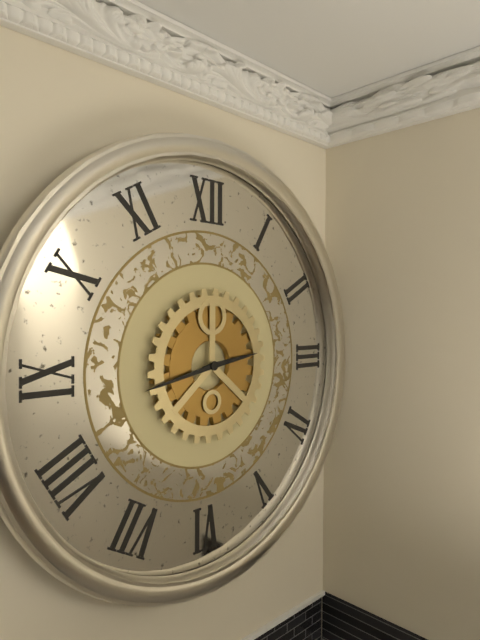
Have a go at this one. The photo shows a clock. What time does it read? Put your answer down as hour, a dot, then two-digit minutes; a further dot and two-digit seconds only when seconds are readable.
2.43
